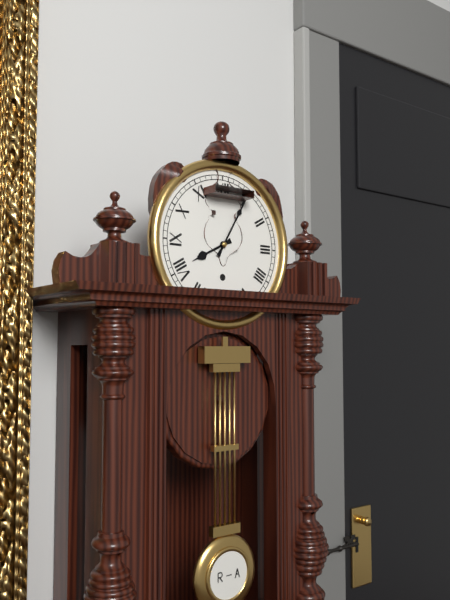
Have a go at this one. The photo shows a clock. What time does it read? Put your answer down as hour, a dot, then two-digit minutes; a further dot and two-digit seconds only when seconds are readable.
8.05
